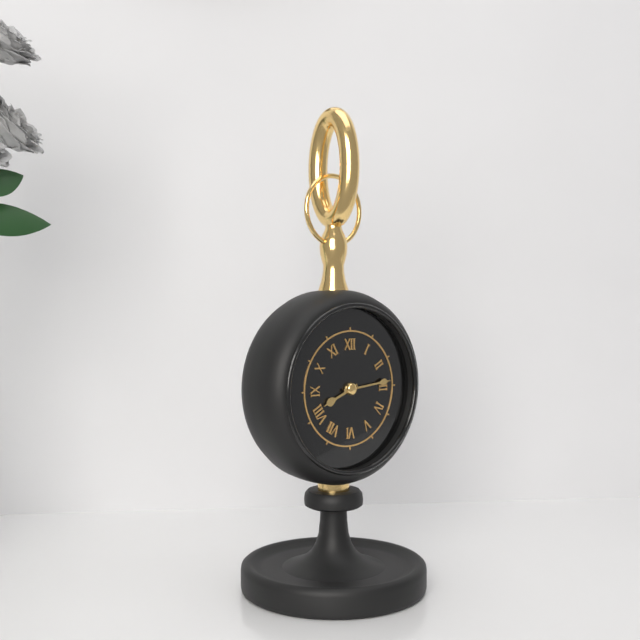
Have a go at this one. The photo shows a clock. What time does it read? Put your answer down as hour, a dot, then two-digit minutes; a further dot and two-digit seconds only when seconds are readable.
8.14
